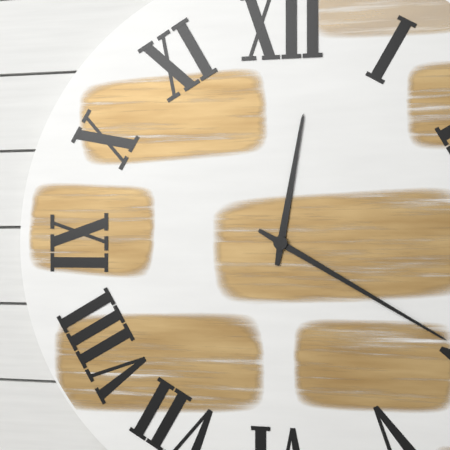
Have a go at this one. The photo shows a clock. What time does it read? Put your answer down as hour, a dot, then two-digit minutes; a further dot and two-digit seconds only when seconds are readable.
12.20
